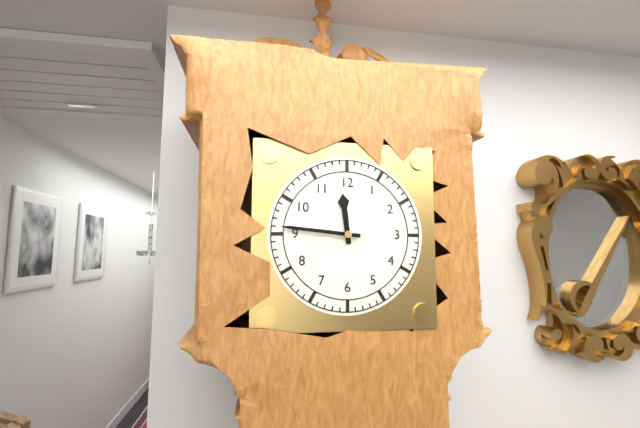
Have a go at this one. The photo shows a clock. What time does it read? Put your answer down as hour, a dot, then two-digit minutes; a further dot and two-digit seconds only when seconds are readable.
11.46
